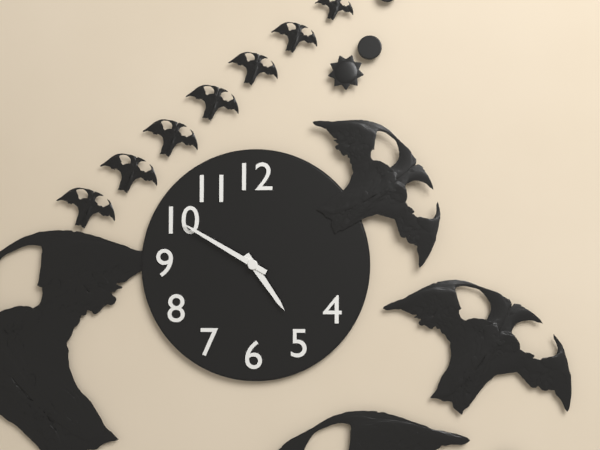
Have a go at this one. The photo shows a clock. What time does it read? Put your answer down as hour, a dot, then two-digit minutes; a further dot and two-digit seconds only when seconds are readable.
4.50
